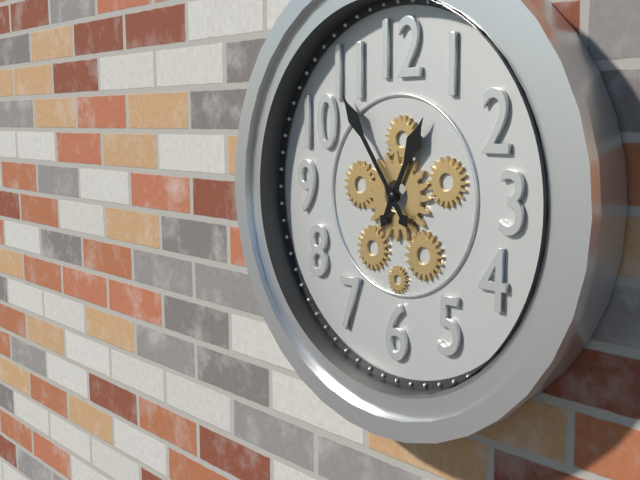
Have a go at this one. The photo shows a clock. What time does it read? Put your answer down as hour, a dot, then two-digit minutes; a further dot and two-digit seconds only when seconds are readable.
12.54
